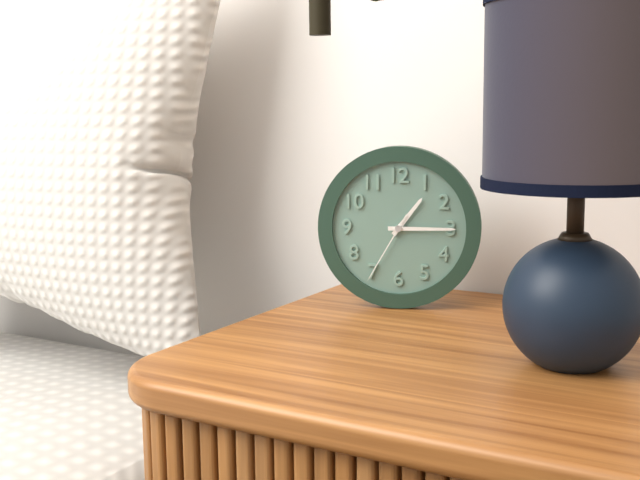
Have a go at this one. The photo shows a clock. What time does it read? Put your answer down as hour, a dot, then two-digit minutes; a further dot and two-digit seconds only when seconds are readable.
1.15.35
